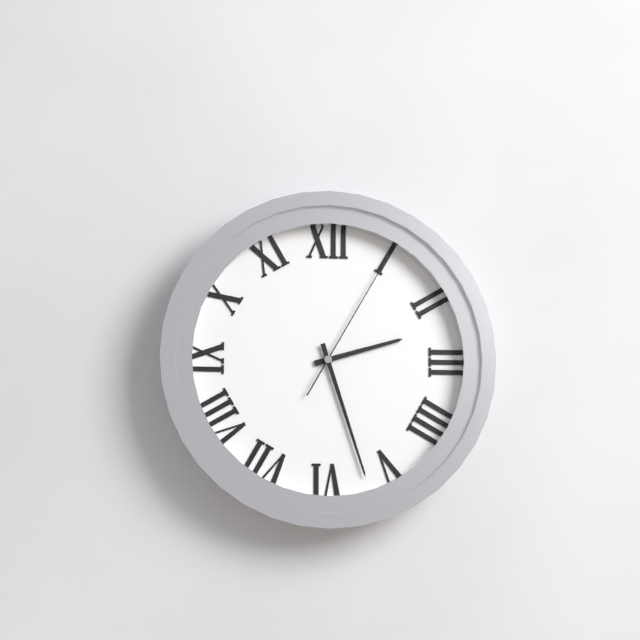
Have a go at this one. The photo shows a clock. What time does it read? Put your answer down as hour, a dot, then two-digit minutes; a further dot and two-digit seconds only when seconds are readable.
2.27.05
